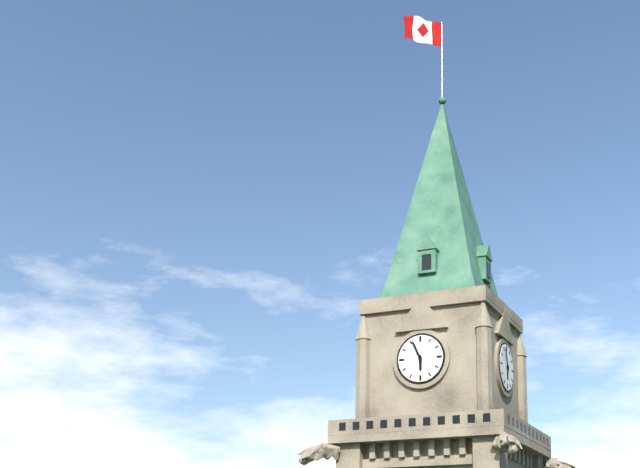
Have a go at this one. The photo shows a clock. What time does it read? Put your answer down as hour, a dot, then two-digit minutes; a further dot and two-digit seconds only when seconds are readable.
5.56
